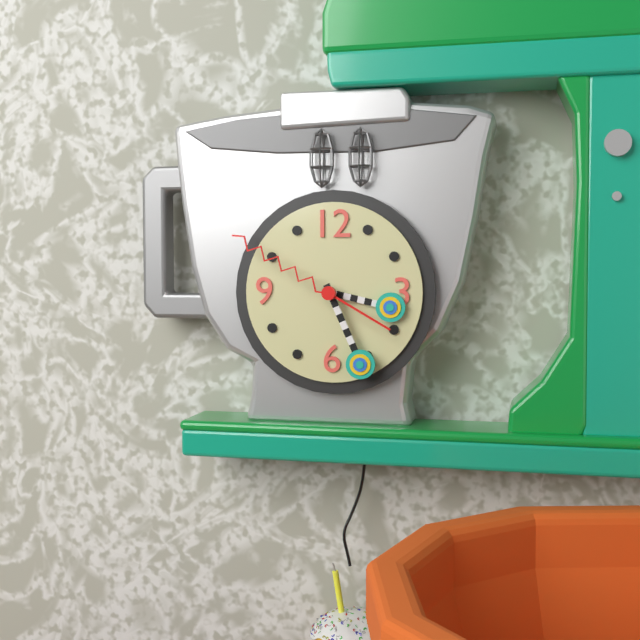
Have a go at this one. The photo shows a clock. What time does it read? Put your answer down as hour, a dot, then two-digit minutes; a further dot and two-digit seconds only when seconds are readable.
3.26.50
